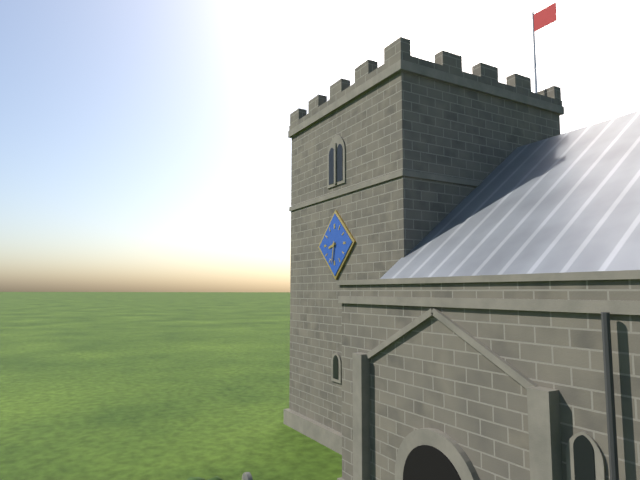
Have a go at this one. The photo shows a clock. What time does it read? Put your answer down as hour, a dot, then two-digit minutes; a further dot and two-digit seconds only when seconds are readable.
8.32
